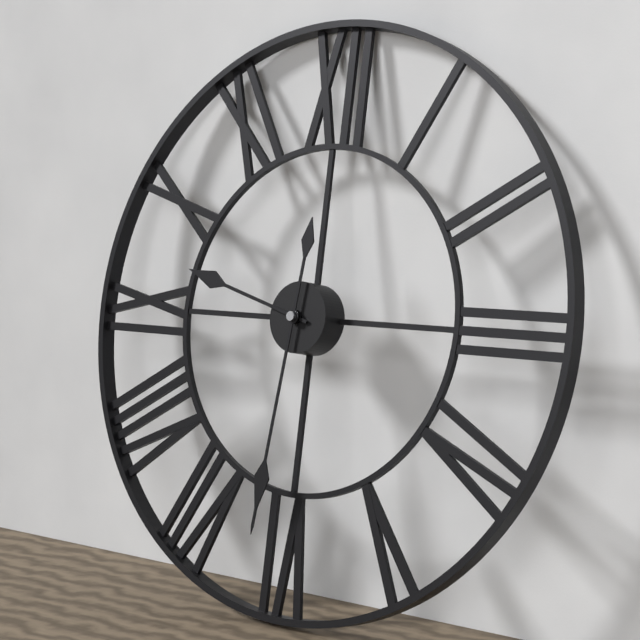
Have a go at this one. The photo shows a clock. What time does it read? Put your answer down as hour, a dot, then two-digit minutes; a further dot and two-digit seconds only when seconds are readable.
9.31
